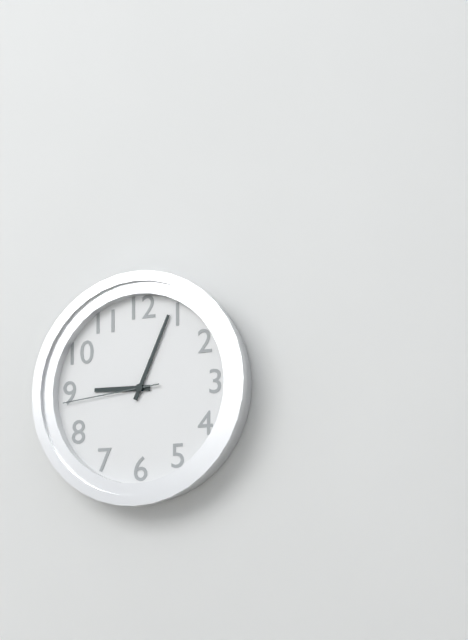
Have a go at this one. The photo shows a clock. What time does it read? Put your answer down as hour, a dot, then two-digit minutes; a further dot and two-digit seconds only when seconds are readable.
9.04.44
